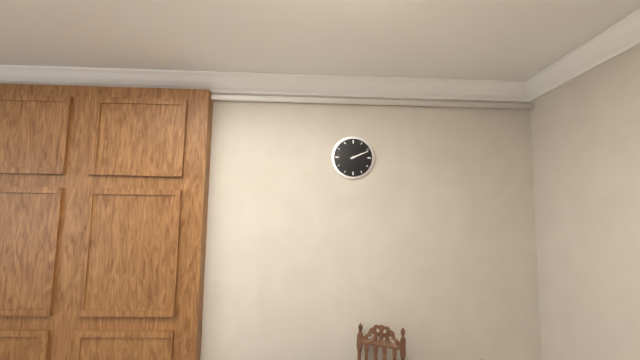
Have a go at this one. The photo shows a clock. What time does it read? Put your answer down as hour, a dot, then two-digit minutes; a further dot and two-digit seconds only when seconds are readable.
2.11
